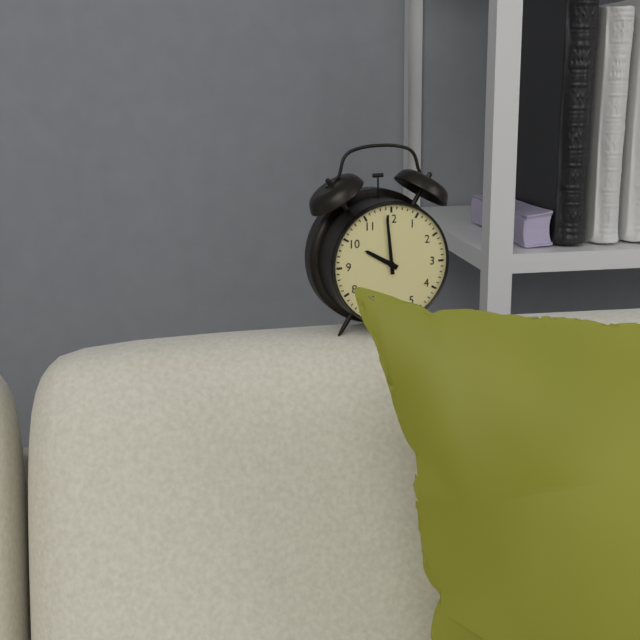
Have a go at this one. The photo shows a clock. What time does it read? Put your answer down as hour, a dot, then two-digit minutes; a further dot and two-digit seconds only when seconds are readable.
9.59
